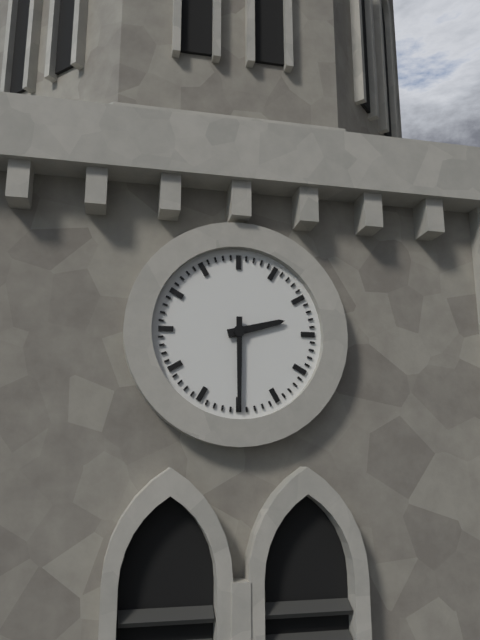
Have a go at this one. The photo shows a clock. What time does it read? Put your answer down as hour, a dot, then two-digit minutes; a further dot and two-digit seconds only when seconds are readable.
2.30
